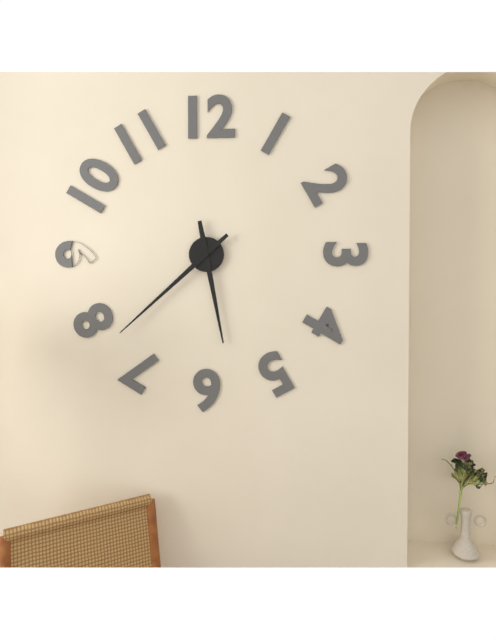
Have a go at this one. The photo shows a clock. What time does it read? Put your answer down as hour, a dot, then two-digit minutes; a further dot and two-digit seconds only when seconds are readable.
5.38
